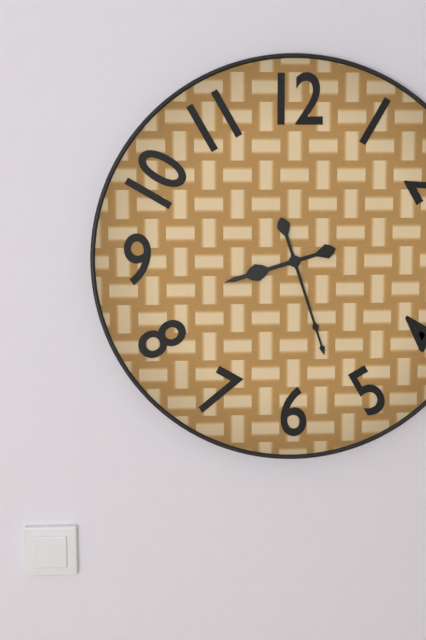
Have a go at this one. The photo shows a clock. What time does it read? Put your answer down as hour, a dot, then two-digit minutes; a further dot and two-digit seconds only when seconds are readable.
8.27
